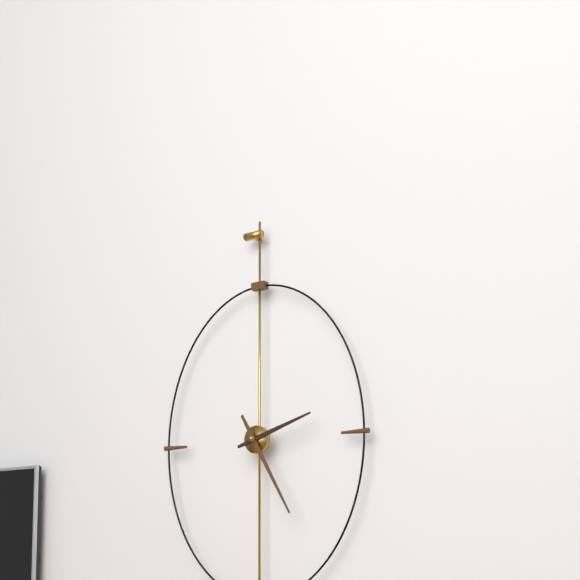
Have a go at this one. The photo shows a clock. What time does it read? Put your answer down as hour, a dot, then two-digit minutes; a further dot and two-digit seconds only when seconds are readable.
2.25
